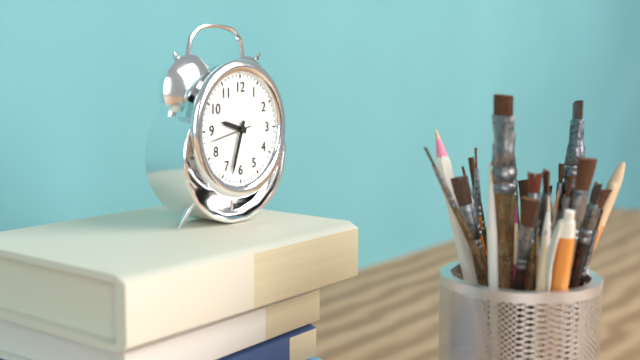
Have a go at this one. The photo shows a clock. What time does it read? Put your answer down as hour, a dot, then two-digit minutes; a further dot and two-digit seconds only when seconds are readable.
9.33
